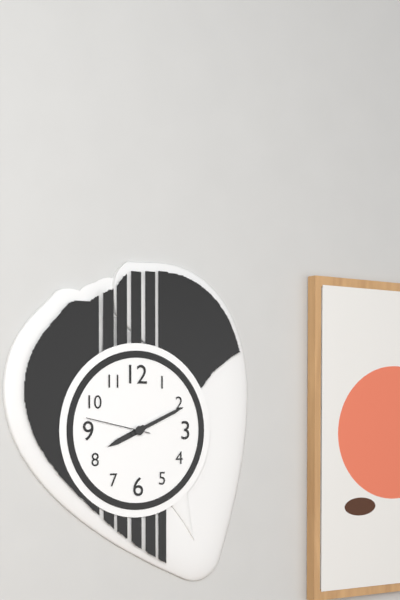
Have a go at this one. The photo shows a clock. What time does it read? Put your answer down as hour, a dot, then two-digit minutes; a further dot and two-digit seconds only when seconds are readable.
8.11.47
